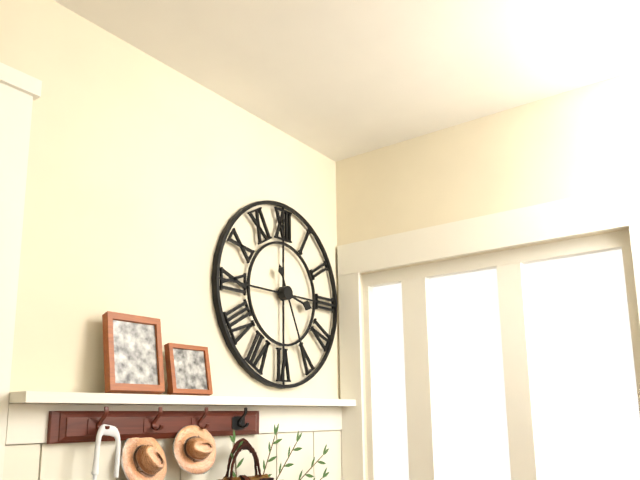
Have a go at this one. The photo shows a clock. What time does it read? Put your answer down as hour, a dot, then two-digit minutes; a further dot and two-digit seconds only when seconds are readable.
3.26
